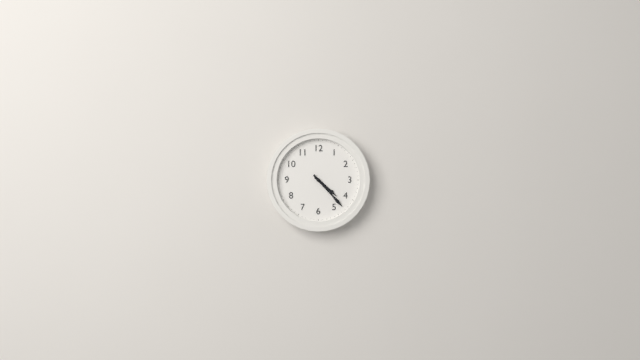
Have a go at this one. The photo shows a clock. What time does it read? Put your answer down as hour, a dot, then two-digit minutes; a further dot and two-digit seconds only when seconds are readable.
4.23
